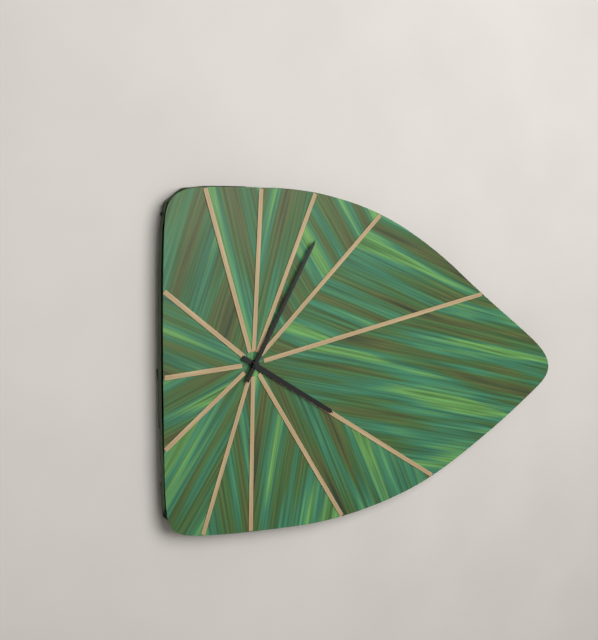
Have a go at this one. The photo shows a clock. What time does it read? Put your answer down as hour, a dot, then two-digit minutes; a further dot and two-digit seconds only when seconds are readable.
4.05
